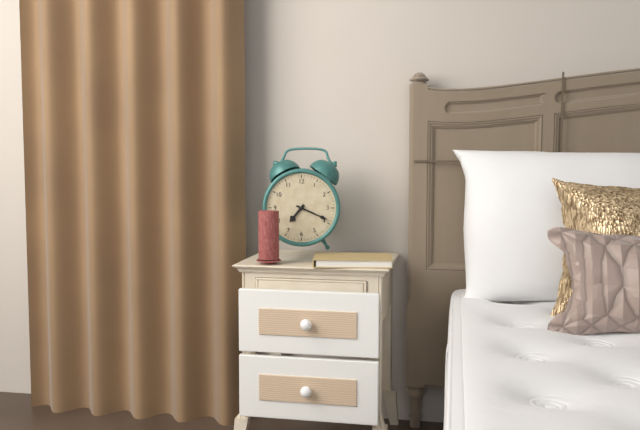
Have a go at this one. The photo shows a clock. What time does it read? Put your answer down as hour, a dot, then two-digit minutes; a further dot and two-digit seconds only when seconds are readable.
7.19
